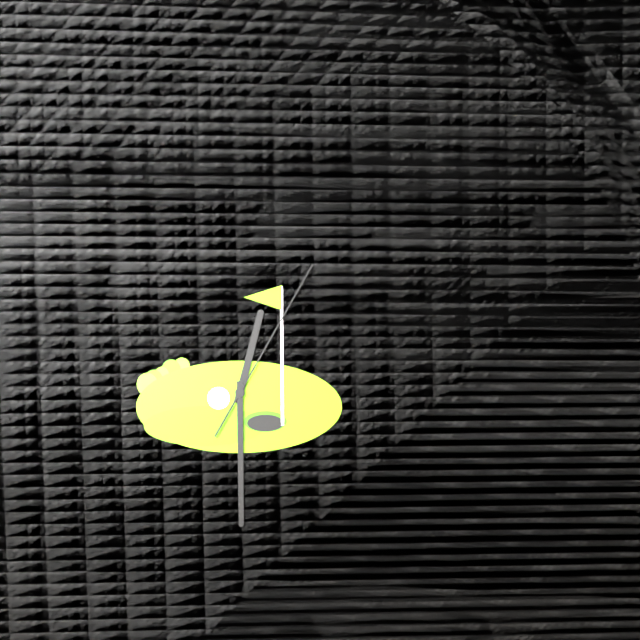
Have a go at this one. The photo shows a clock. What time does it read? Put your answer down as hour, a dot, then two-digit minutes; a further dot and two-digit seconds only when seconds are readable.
12.30.05
